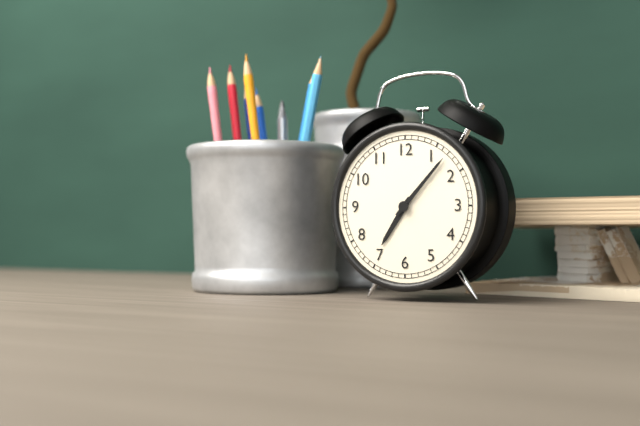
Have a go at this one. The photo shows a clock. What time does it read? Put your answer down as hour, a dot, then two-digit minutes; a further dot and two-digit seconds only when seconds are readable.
7.07
